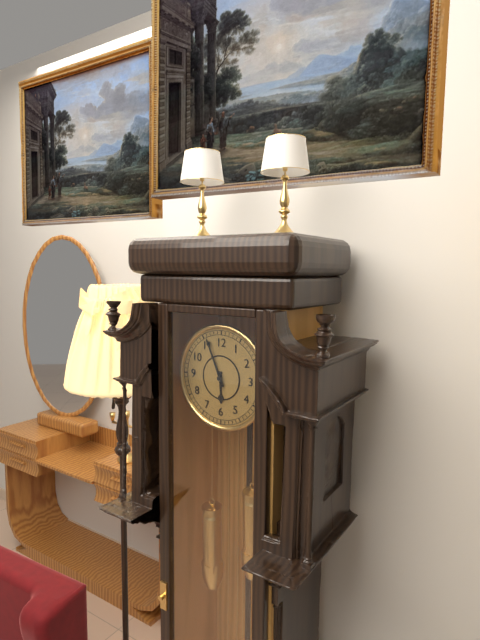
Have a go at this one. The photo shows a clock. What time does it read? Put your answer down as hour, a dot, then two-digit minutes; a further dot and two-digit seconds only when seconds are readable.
5.56
